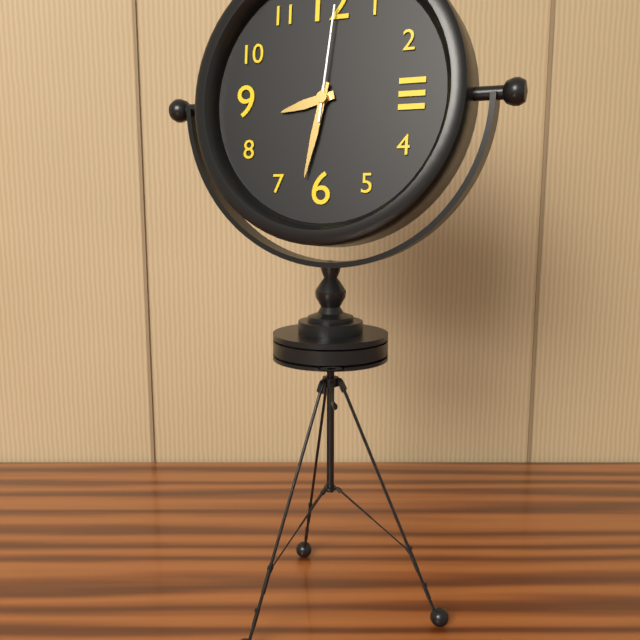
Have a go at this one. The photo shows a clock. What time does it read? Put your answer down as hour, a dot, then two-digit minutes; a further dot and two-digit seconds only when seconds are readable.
8.32.01
